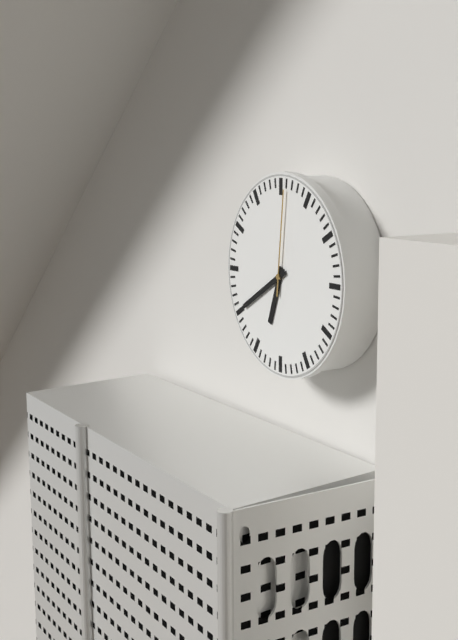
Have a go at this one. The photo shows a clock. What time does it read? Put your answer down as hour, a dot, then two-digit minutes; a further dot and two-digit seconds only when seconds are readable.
6.40.01
